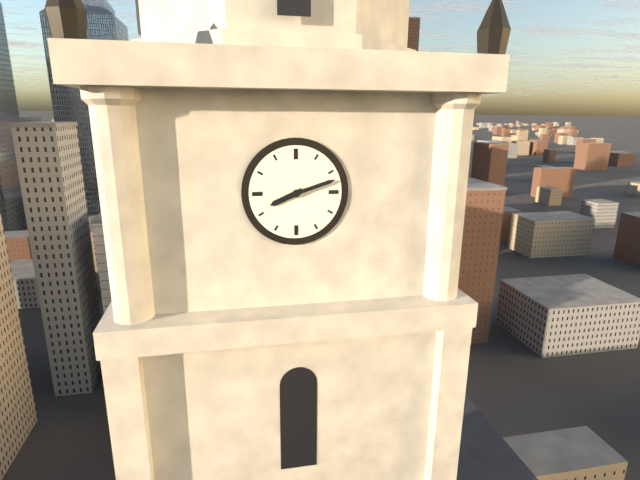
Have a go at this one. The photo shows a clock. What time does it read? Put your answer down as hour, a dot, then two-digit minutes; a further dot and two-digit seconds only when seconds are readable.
8.12
